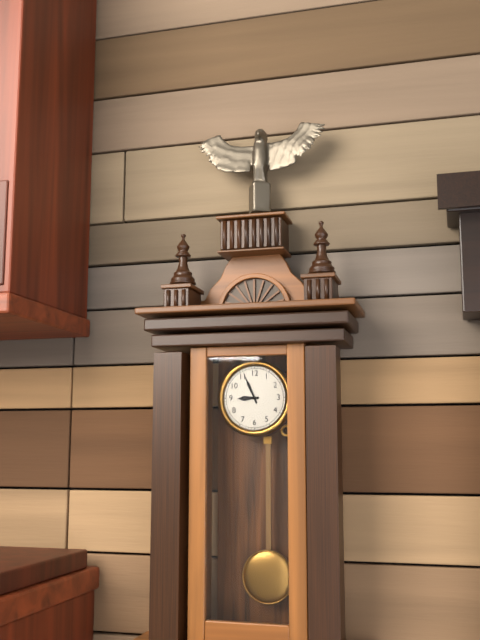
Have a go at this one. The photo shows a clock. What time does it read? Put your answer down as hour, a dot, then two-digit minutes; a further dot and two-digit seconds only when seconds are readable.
8.56
